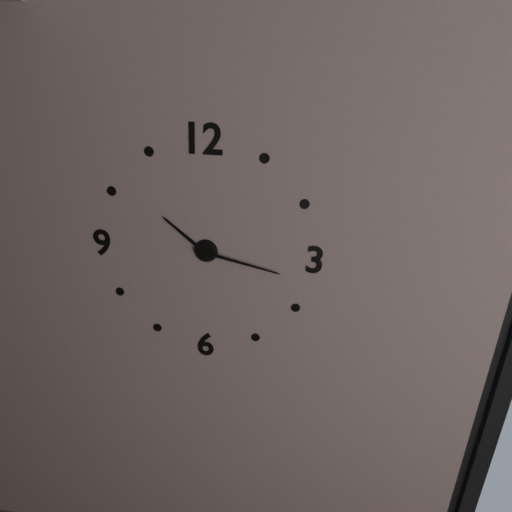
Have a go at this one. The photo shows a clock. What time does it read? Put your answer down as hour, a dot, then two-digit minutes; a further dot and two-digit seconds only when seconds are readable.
10.17
